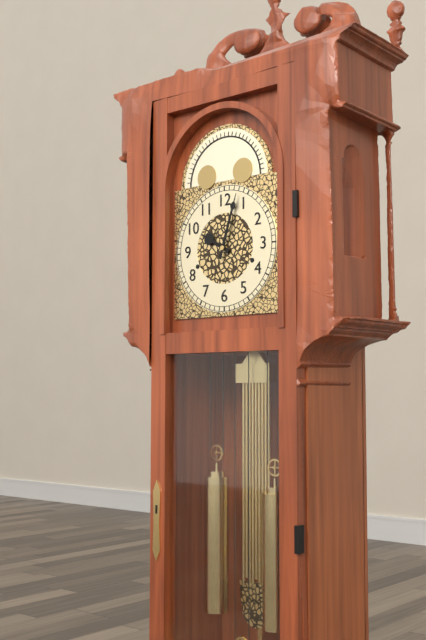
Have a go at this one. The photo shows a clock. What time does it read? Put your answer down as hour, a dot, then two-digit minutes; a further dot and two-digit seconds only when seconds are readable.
10.03
